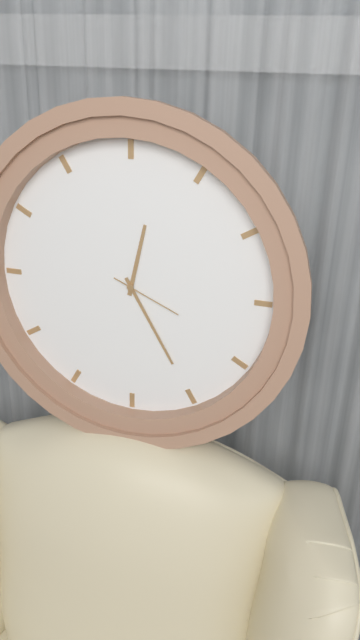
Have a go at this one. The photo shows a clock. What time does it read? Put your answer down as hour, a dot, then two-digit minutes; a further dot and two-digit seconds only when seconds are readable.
12.25.19
